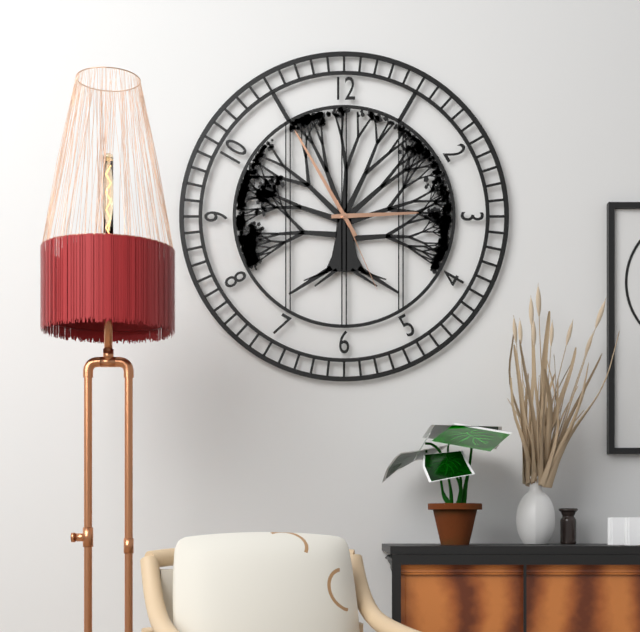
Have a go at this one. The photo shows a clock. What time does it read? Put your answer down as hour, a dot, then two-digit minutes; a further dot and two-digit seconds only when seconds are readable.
2.55.26
